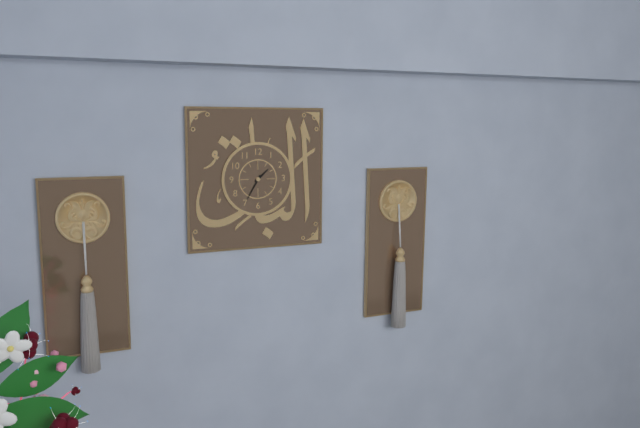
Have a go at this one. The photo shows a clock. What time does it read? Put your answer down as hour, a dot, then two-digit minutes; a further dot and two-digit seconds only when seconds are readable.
1.35
